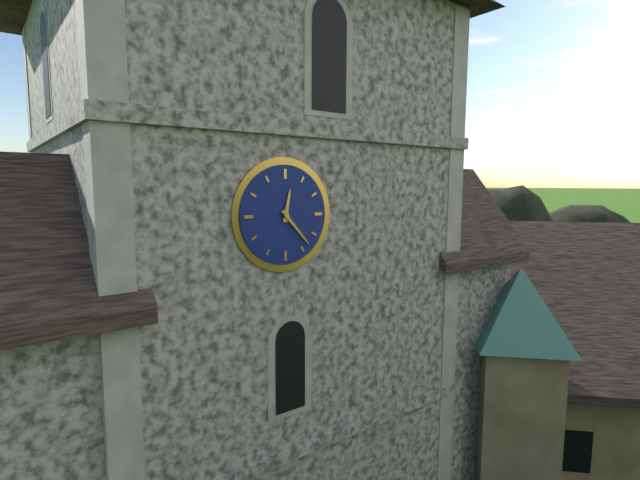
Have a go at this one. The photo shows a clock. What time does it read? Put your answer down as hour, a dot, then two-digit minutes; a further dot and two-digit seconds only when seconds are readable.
12.23
